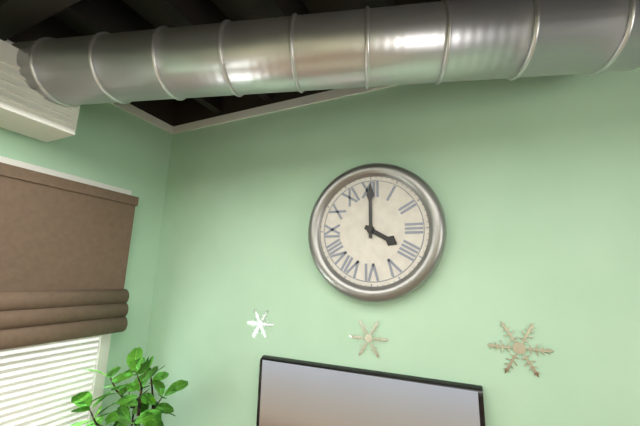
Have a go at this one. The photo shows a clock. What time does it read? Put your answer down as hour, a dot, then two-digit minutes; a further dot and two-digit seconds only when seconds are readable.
4.00
